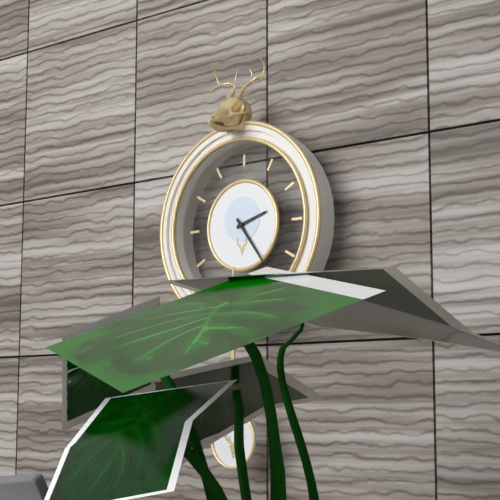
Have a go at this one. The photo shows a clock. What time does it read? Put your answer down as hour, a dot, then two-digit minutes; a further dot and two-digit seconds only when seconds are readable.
2.24
